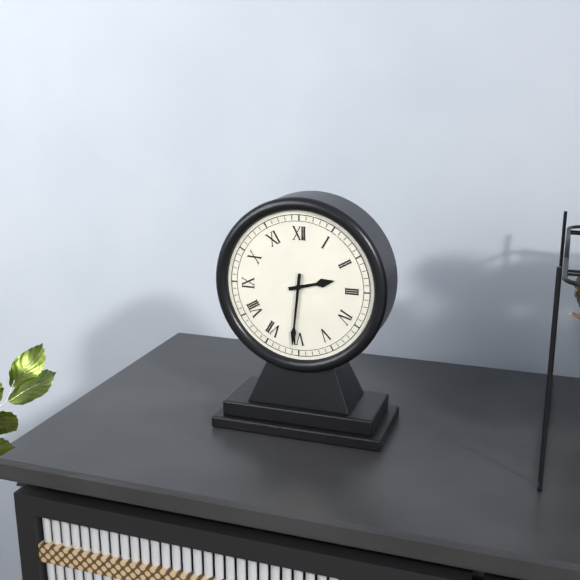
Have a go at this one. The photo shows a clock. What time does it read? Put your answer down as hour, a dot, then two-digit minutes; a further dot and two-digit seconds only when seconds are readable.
2.31
